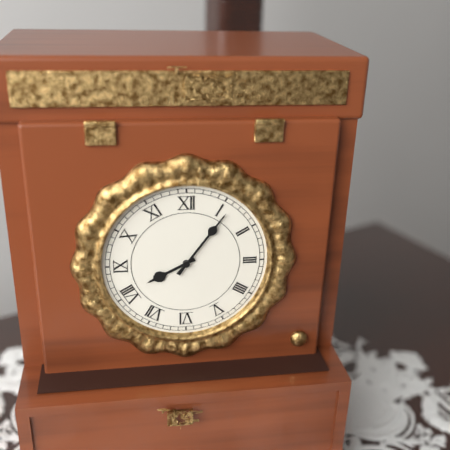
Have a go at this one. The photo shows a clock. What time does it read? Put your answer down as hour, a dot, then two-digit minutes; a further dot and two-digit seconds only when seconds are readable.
8.06
